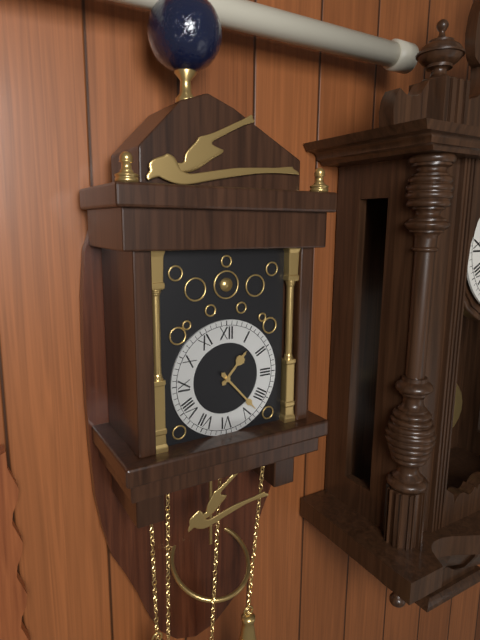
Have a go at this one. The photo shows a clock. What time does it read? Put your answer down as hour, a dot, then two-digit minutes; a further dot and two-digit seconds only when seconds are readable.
1.23
